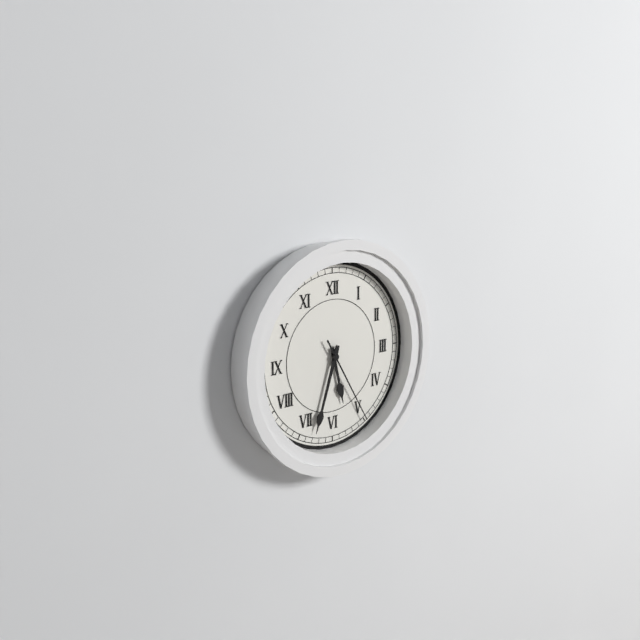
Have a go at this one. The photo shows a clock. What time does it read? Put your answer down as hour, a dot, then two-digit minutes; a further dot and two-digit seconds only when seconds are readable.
5.33.25
